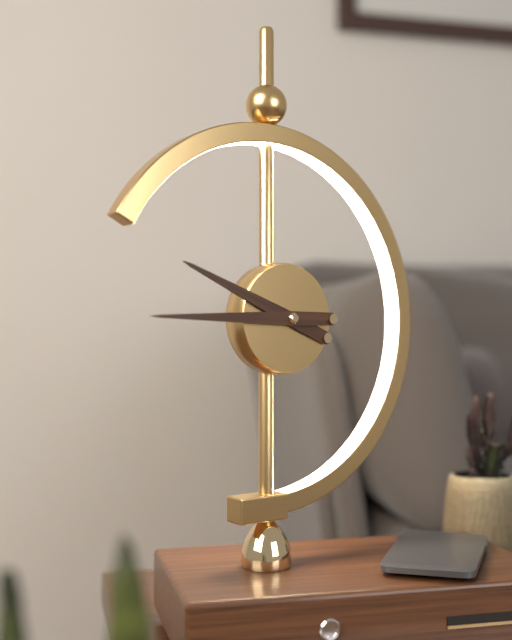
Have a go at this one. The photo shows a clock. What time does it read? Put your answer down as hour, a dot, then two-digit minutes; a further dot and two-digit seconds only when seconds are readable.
9.45
